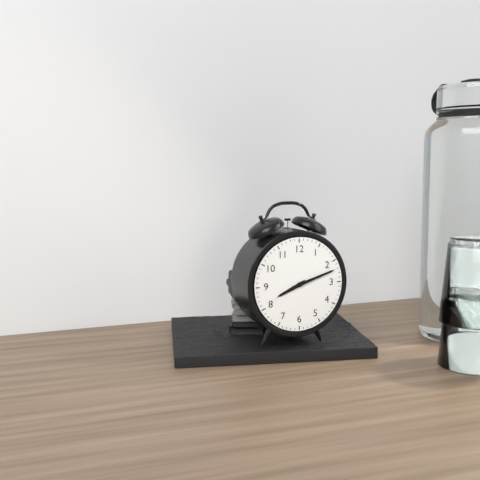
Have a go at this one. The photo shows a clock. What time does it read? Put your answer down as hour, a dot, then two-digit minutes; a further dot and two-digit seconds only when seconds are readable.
8.12
